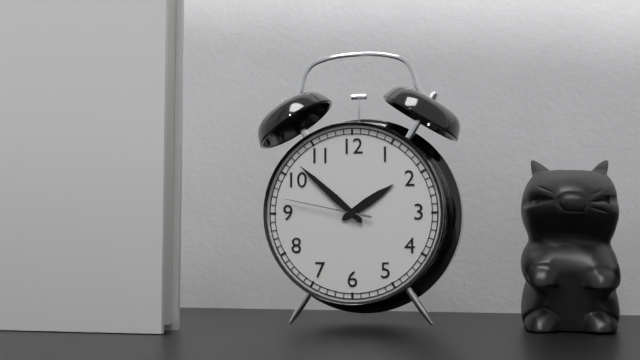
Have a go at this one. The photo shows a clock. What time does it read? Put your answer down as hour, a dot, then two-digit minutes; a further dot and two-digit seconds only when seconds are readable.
1.52.47
